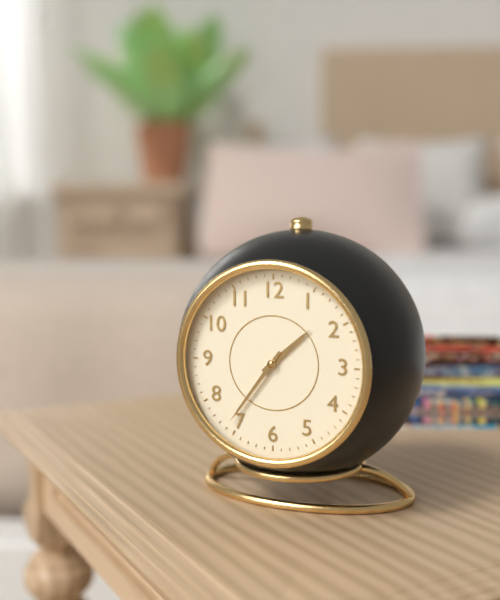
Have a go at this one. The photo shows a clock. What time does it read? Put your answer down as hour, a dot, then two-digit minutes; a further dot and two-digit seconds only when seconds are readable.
1.36
